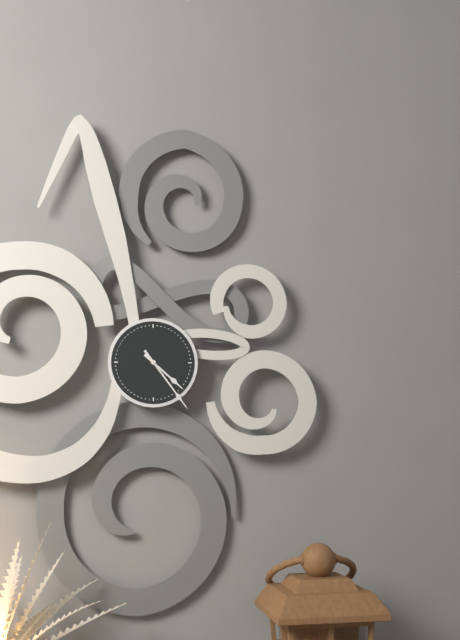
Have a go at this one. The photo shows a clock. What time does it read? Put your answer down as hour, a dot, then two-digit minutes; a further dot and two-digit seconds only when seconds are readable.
4.24
